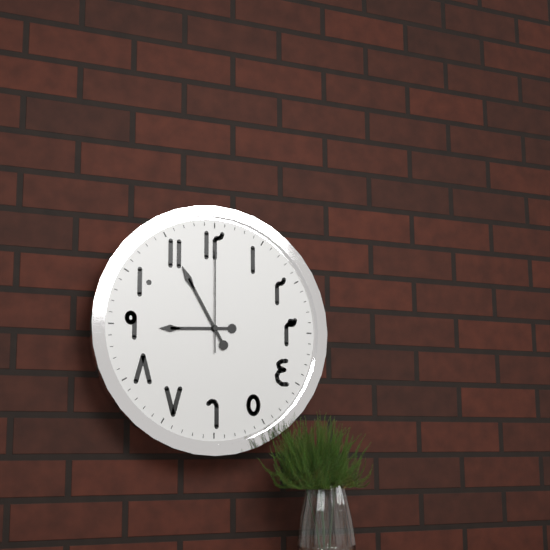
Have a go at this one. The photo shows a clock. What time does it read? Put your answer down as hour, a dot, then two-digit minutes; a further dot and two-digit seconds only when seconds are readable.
8.55.00
